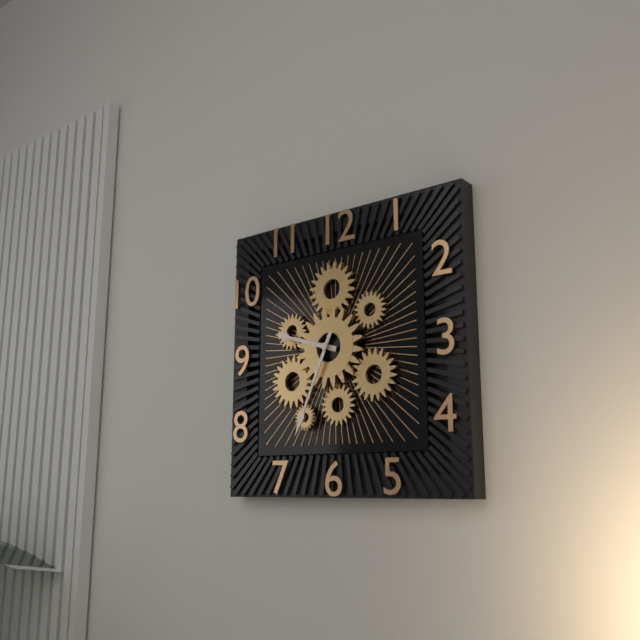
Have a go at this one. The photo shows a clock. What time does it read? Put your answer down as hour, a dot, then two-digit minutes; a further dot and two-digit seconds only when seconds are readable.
9.34
